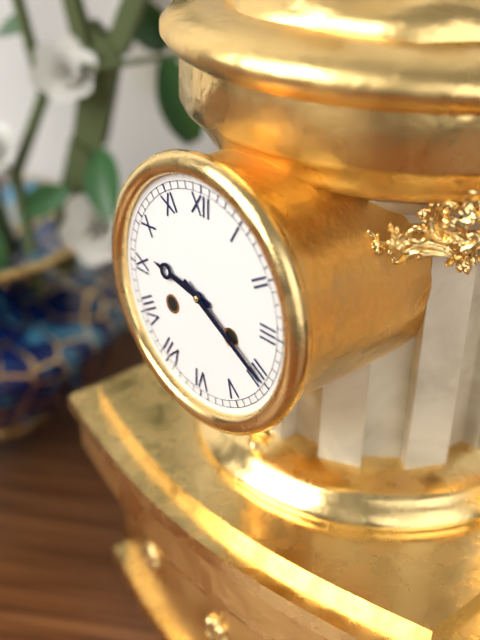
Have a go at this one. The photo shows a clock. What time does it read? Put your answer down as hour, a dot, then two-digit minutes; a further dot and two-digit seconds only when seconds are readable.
9.20
